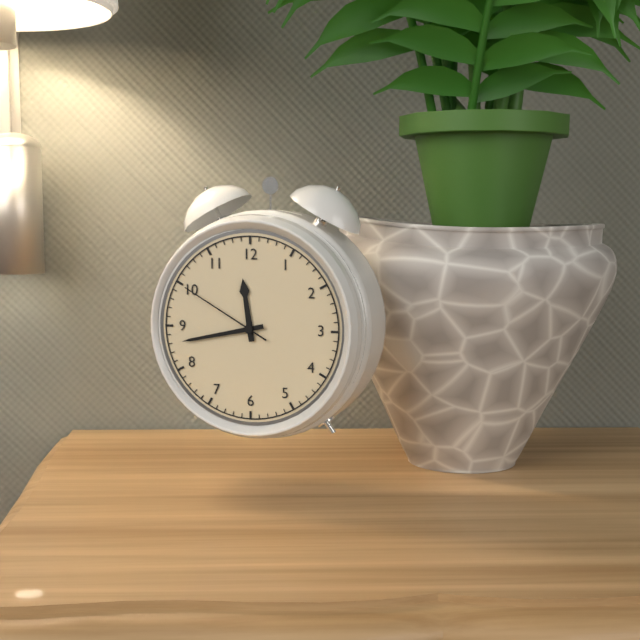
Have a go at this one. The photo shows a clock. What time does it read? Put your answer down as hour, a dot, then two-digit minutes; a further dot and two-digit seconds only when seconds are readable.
11.43.50
